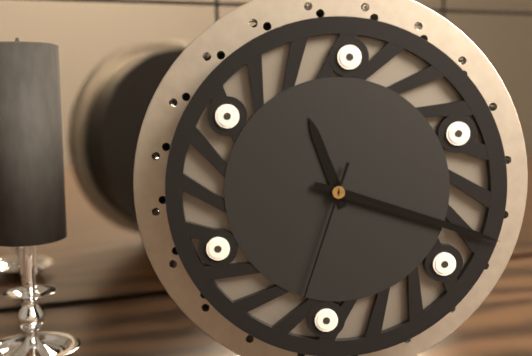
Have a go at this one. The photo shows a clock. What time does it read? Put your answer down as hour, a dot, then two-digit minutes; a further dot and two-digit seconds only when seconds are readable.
11.18.33
